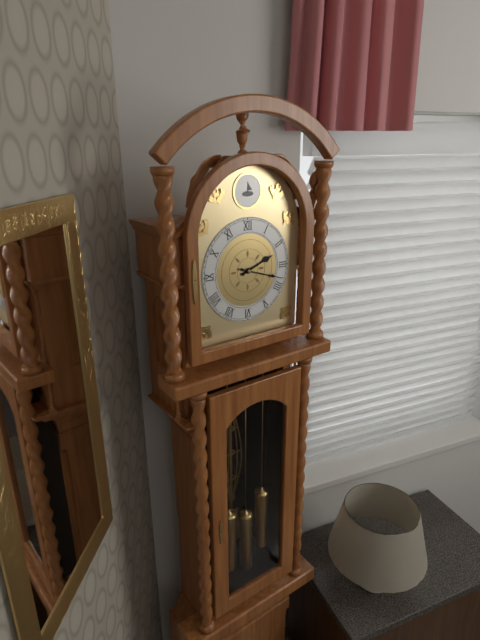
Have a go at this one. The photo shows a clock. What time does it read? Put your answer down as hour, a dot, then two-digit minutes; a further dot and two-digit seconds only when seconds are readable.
2.18
